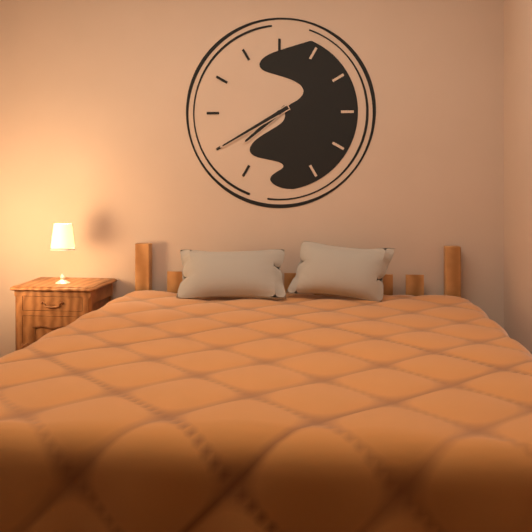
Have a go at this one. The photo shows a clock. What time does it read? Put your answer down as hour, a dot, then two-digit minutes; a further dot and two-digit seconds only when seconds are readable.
7.40
